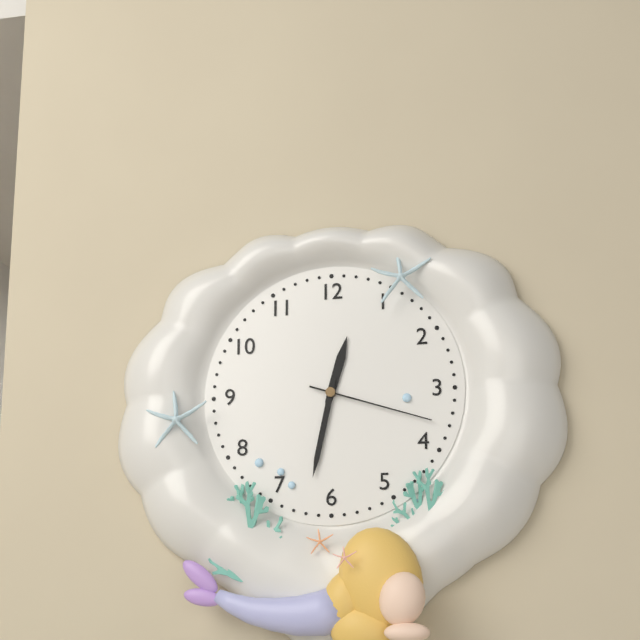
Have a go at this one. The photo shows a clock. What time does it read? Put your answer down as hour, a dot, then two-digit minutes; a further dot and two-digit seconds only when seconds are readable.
12.32.18
